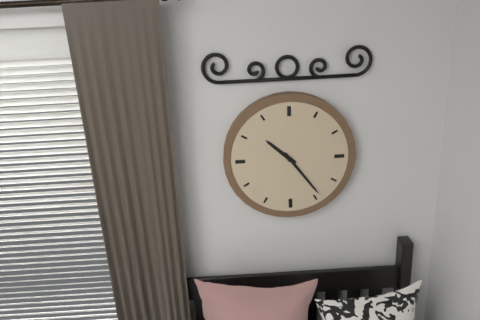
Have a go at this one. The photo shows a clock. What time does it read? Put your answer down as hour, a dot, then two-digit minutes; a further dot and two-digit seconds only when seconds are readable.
10.24
